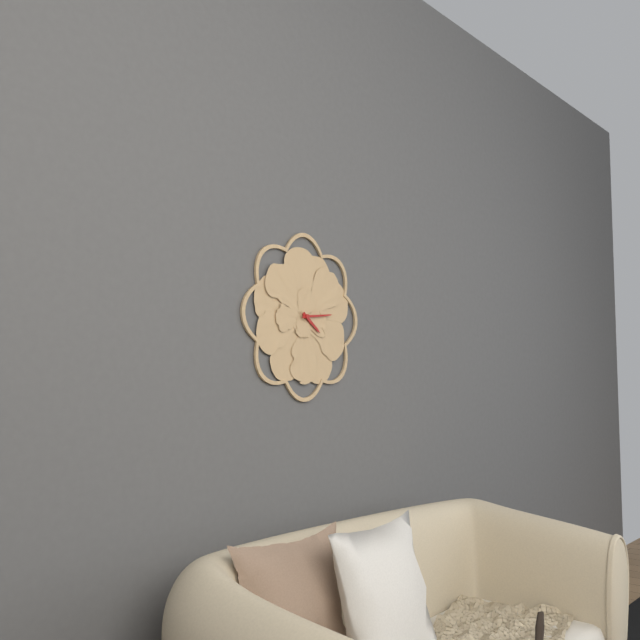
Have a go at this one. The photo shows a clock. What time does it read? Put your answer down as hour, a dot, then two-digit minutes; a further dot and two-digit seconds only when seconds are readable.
4.14
